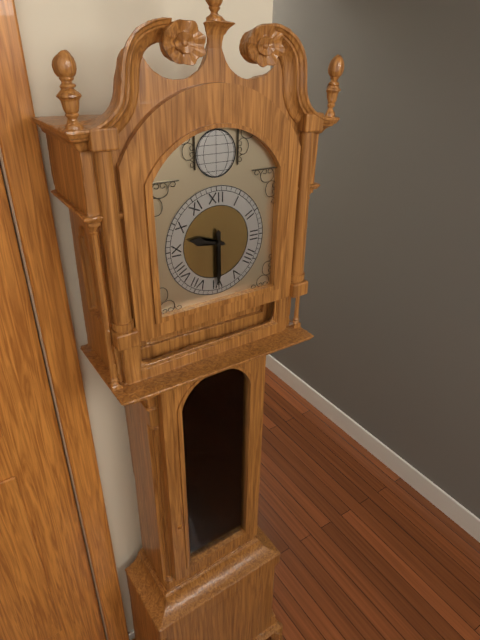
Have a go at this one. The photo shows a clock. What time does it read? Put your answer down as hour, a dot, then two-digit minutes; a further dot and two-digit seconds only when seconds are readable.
9.30
